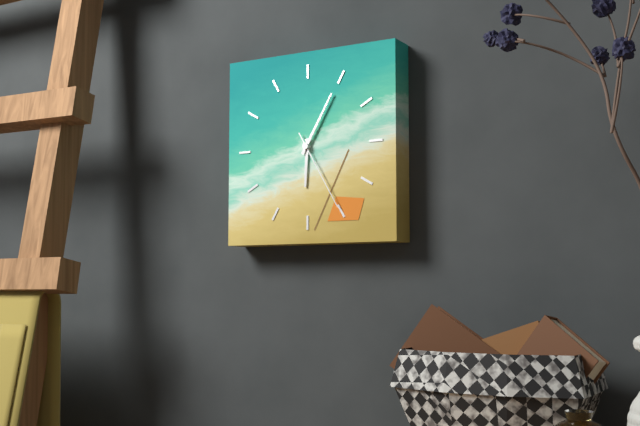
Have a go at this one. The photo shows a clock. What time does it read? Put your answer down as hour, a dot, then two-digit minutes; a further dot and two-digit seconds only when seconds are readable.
6.05.25
